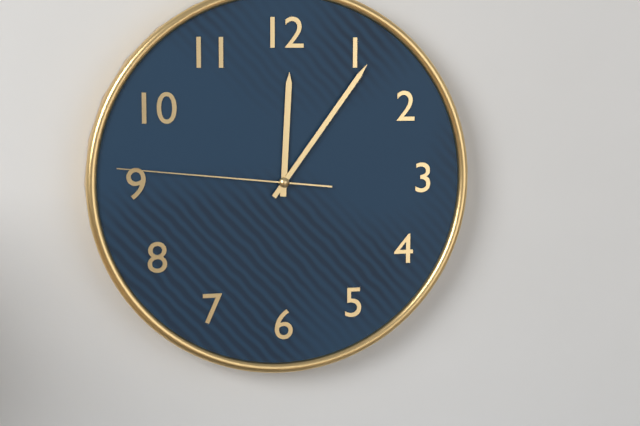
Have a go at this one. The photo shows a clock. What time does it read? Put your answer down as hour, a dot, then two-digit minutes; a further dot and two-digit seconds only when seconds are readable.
12.06.46
